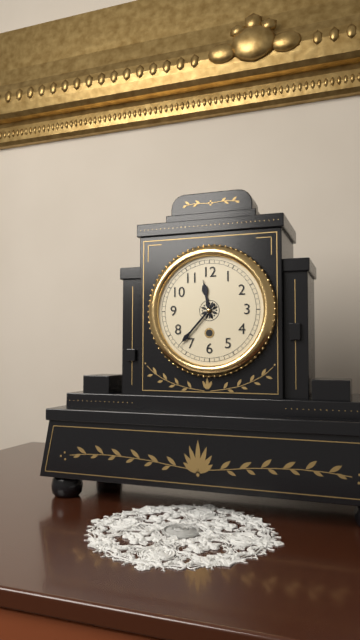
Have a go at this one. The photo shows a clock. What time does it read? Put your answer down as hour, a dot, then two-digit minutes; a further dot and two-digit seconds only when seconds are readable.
11.37
